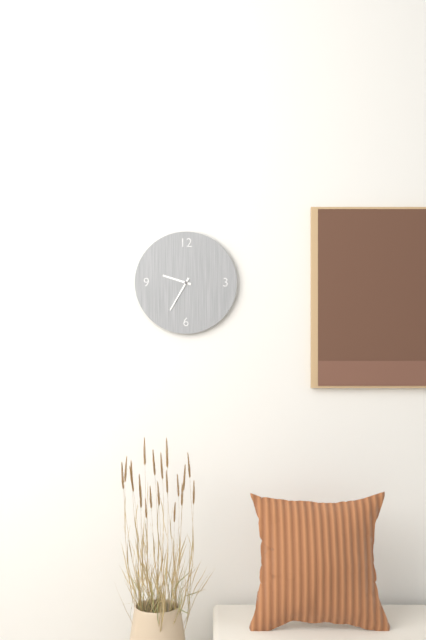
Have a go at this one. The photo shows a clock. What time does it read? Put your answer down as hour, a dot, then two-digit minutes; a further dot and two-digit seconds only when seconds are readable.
9.35
